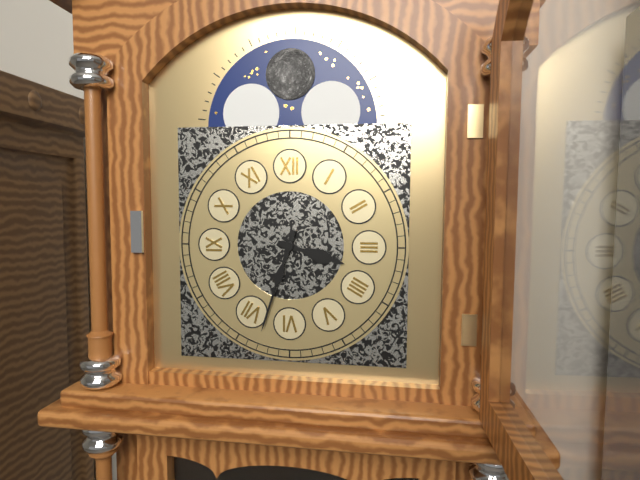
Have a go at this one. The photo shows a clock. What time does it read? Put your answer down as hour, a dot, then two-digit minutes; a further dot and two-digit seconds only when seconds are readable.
3.33
